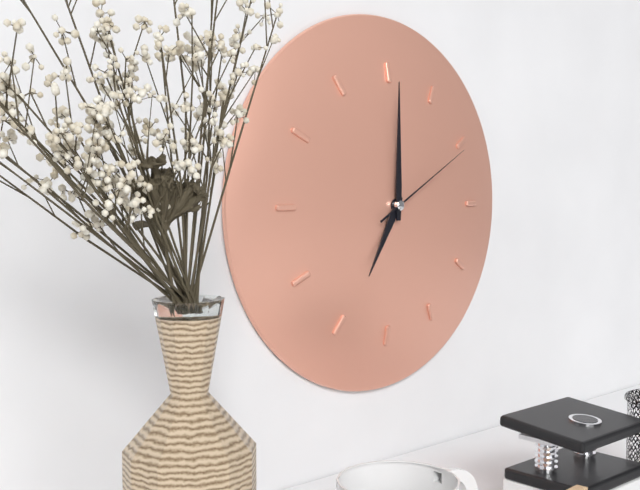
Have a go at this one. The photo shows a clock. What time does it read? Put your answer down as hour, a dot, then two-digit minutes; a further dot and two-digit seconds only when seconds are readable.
7.00.10
